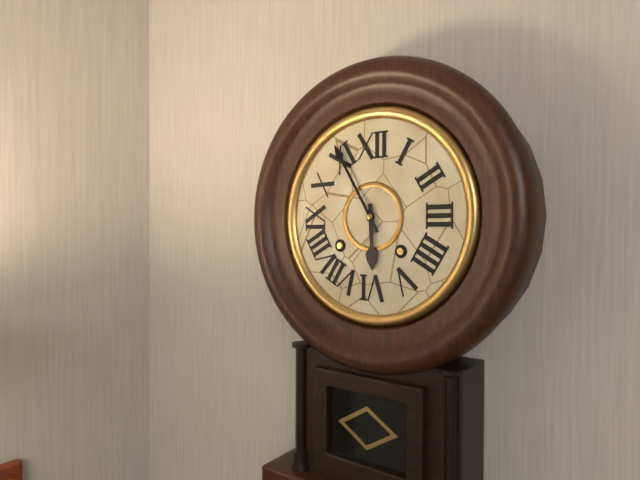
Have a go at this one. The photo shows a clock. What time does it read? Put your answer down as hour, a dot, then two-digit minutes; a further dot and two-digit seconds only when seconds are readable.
5.55
